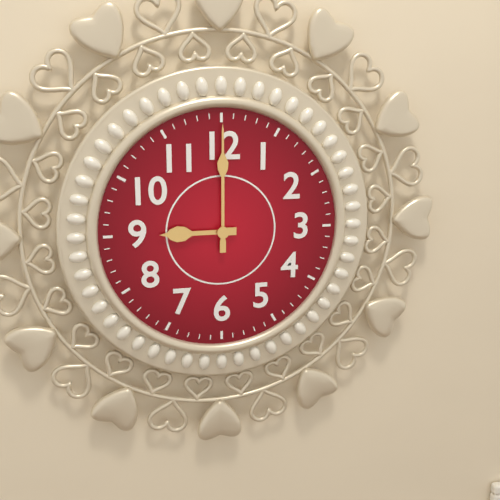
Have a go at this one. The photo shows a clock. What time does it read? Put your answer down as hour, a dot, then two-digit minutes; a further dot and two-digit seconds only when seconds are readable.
9.00
